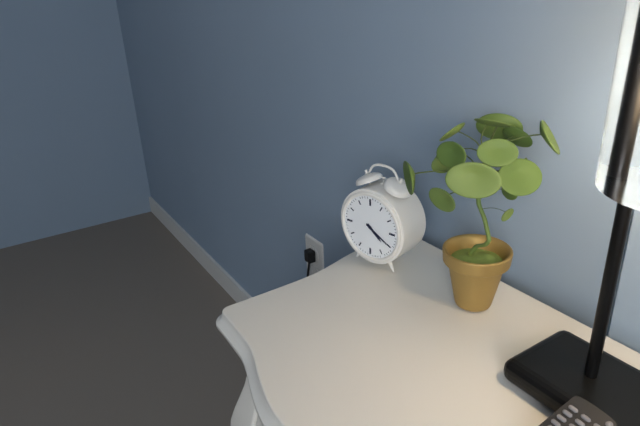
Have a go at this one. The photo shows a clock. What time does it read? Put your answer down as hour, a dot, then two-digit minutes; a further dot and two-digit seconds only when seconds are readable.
4.20
